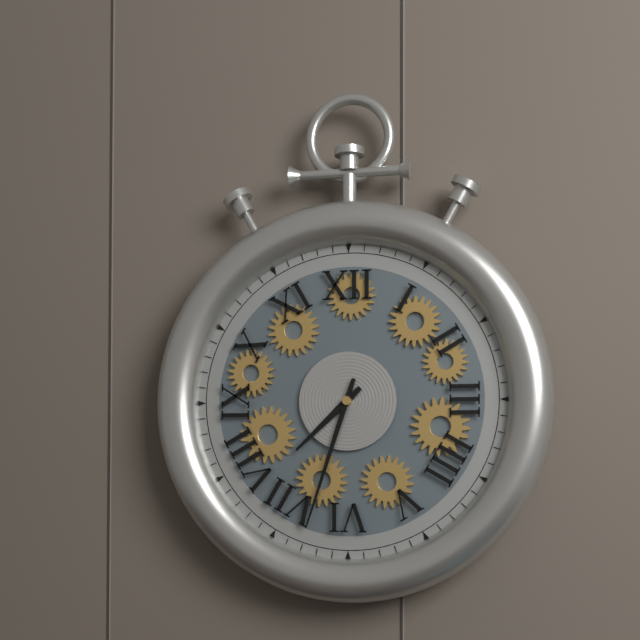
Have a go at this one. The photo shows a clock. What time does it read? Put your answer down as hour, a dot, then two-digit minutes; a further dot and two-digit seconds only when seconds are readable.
7.33
